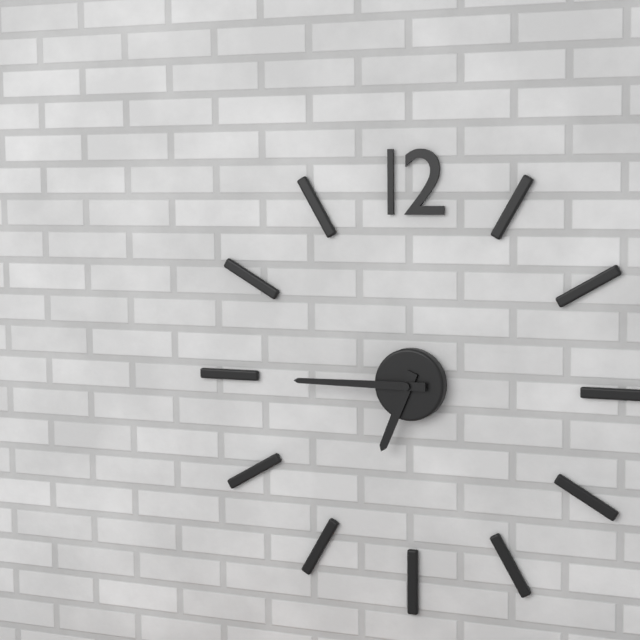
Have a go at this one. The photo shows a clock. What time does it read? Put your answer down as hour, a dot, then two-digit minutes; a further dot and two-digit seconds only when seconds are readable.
6.45
